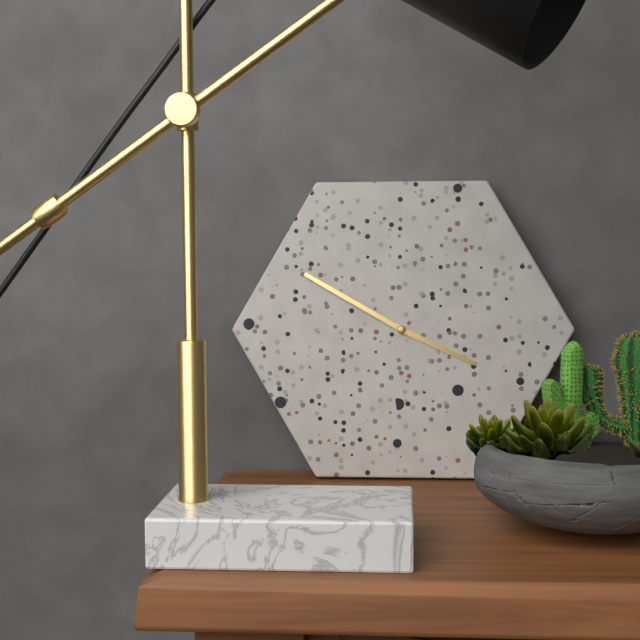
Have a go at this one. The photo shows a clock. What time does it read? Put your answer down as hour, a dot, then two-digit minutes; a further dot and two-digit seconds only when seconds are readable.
3.50
